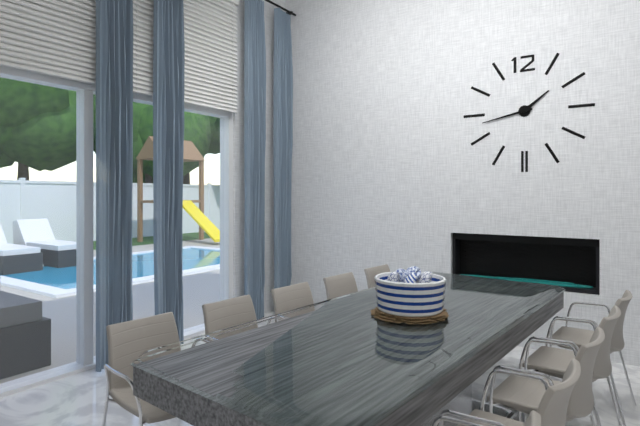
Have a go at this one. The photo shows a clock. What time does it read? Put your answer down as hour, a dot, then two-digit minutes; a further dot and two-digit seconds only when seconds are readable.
1.43
